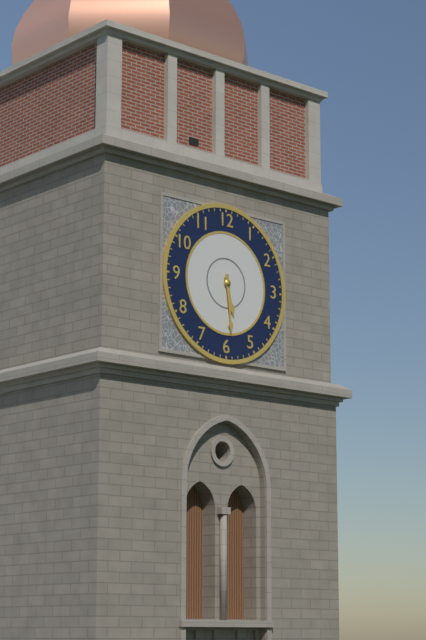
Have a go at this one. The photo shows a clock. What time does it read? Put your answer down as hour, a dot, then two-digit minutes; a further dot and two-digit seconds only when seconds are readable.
5.29
